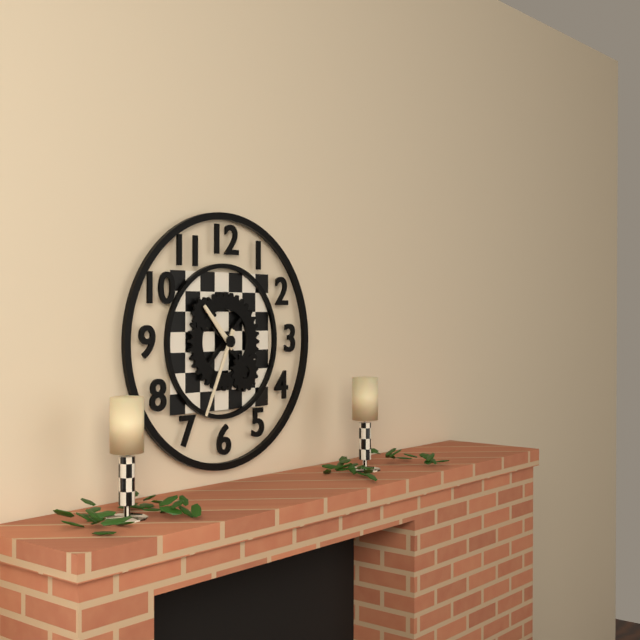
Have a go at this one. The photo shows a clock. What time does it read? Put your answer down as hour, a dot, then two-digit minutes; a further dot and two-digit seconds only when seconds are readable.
10.34
